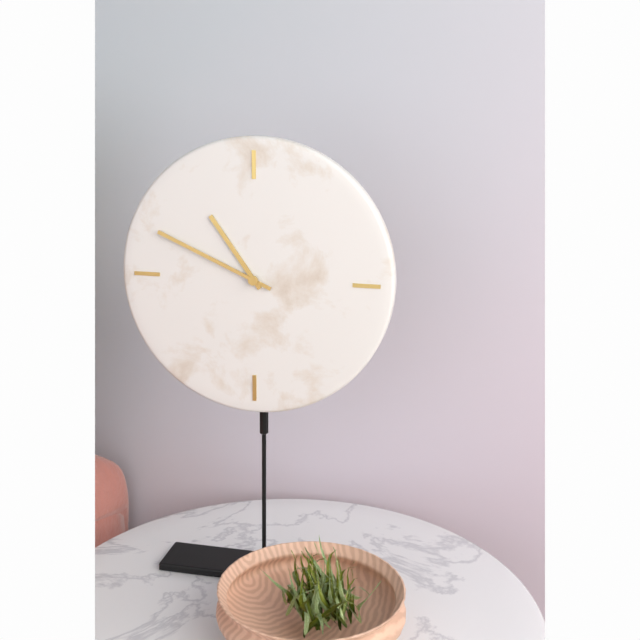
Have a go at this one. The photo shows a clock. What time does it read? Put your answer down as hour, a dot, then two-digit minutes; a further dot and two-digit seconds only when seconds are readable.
10.49
